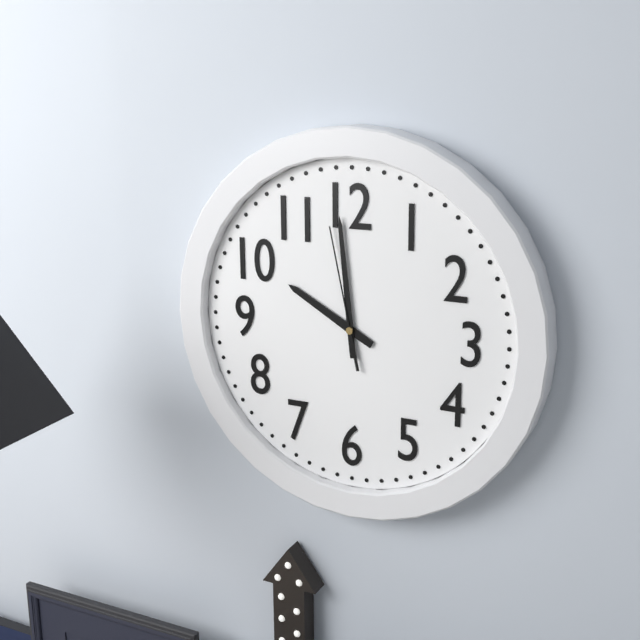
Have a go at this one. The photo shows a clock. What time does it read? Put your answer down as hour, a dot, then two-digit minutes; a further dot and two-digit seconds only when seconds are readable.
9.59.58
